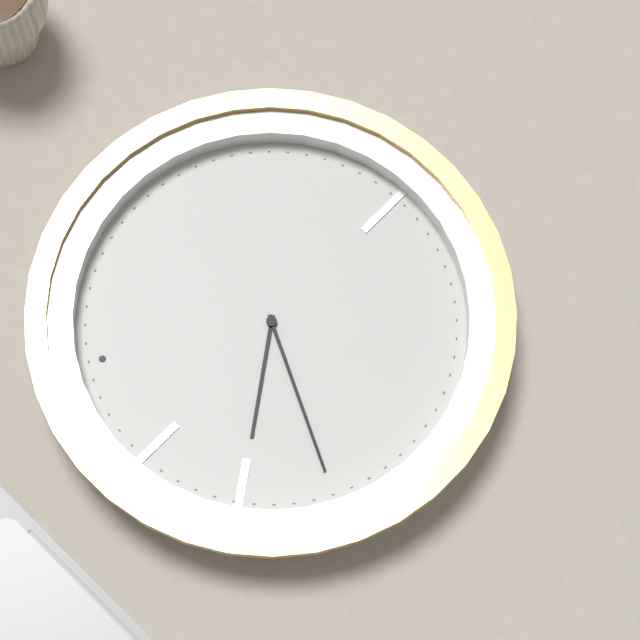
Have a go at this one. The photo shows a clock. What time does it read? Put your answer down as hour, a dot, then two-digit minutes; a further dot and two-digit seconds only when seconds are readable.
9.44
